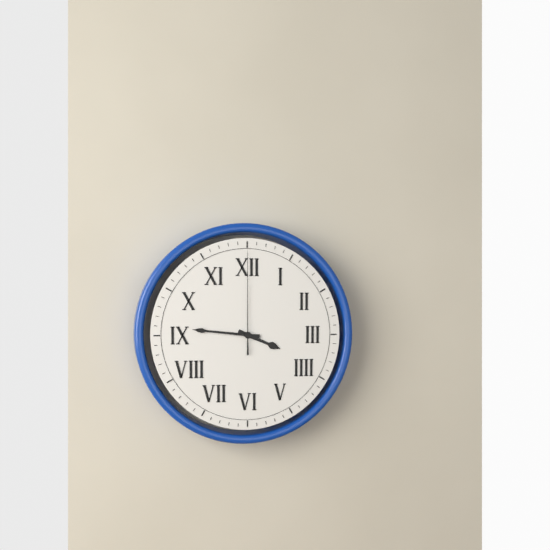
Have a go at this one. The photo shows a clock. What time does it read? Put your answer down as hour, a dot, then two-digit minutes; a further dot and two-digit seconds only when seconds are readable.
3.46.00
